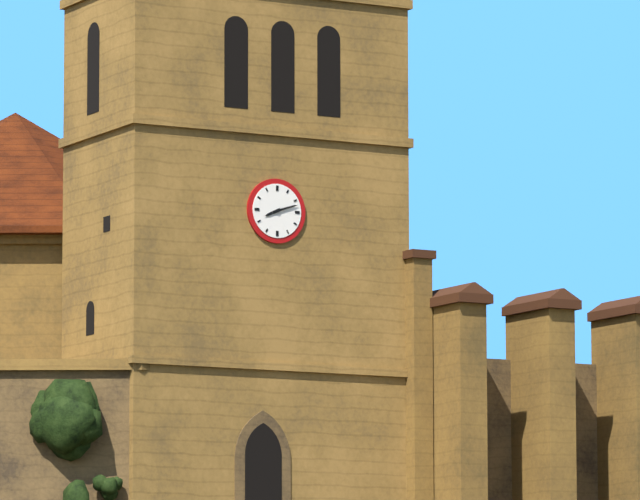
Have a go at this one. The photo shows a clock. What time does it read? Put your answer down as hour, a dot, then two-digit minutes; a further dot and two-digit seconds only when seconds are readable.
8.12
